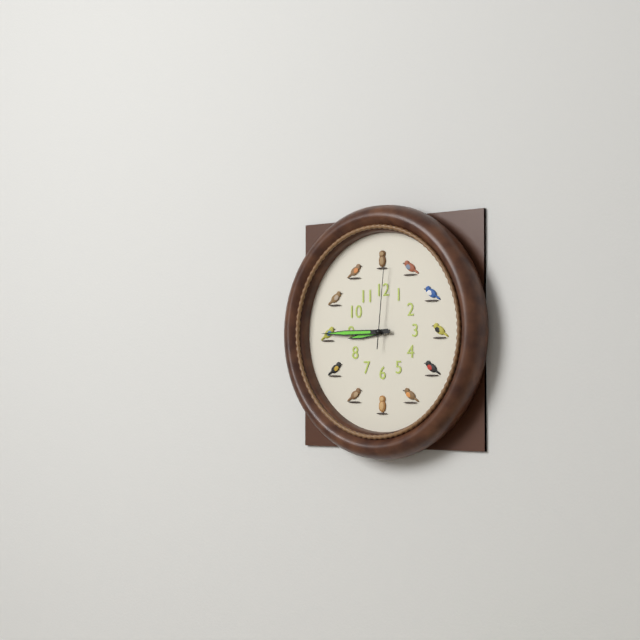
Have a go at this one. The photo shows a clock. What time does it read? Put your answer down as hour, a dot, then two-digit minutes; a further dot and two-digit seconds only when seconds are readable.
8.45.01
